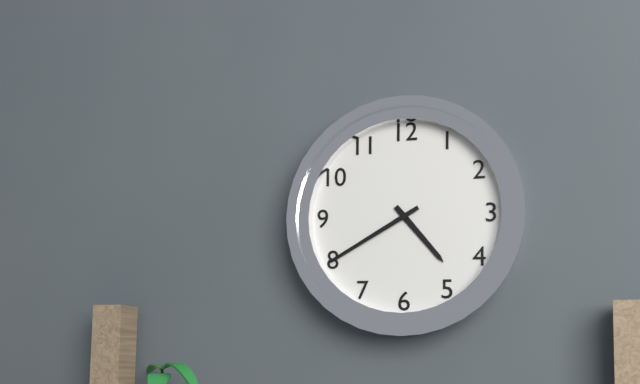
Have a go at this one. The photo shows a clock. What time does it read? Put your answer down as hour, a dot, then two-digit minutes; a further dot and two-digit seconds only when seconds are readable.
4.40
